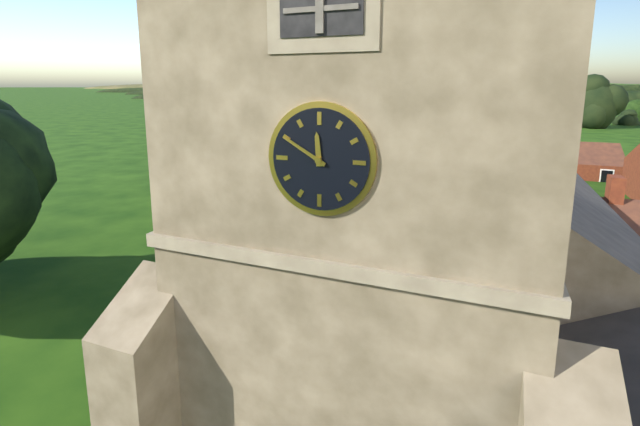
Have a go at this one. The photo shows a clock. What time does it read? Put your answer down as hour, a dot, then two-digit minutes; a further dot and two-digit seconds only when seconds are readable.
11.50
